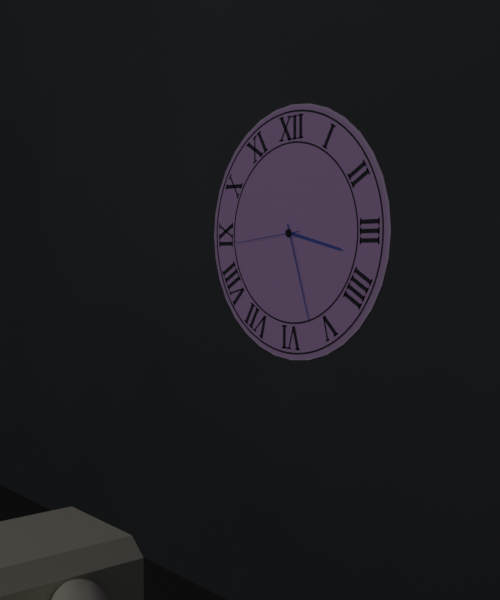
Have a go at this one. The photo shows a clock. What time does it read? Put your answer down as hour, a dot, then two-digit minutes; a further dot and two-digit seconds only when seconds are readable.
3.27.44
